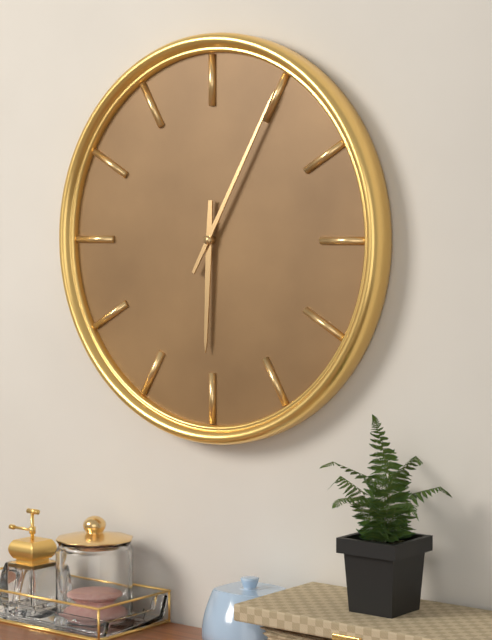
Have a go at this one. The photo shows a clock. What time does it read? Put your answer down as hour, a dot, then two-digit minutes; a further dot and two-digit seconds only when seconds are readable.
6.05
